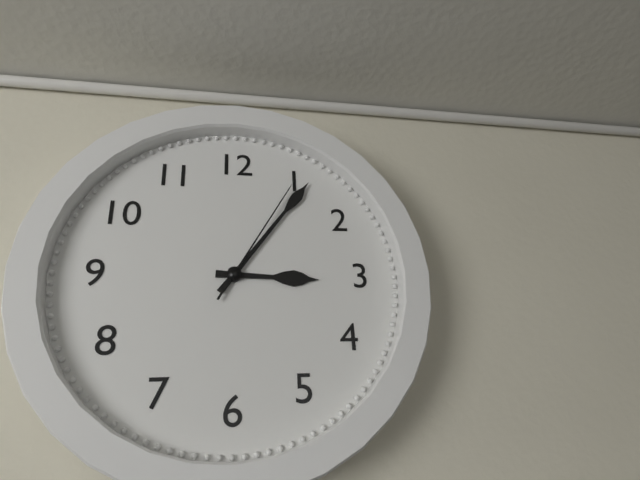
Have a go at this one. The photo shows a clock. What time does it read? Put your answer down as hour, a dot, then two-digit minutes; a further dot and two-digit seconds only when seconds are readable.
3.06.05
